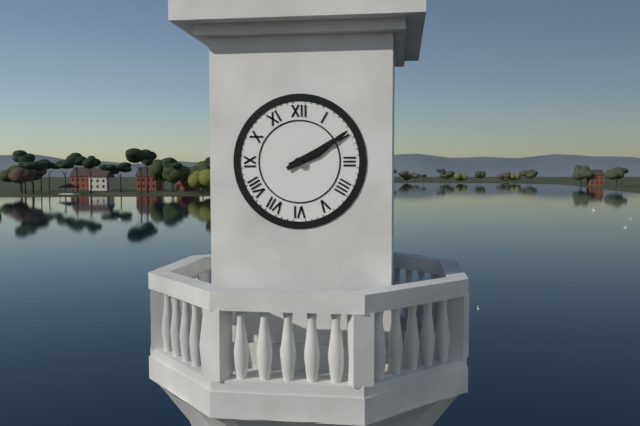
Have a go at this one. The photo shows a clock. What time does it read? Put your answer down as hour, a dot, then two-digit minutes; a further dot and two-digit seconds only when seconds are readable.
2.10
